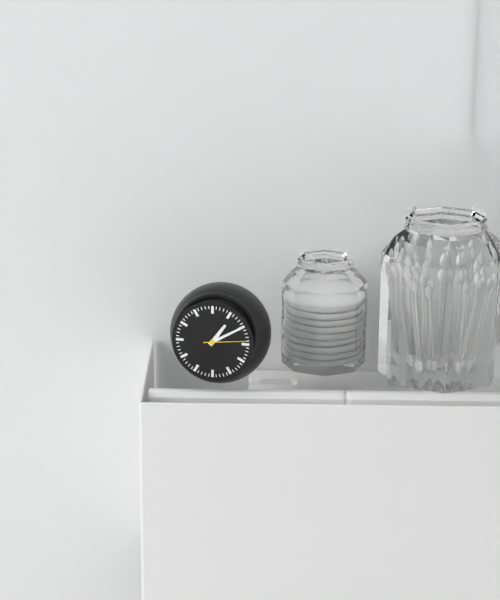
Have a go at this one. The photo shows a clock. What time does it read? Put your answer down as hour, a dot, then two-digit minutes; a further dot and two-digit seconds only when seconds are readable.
1.10
